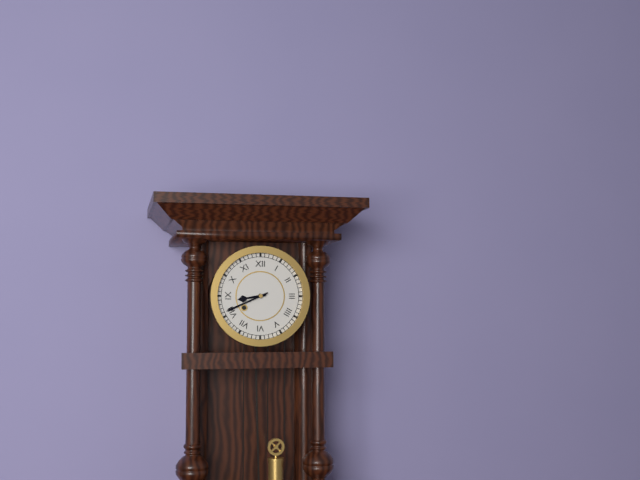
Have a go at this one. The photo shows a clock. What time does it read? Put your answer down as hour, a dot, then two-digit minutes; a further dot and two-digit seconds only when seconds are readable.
8.41
